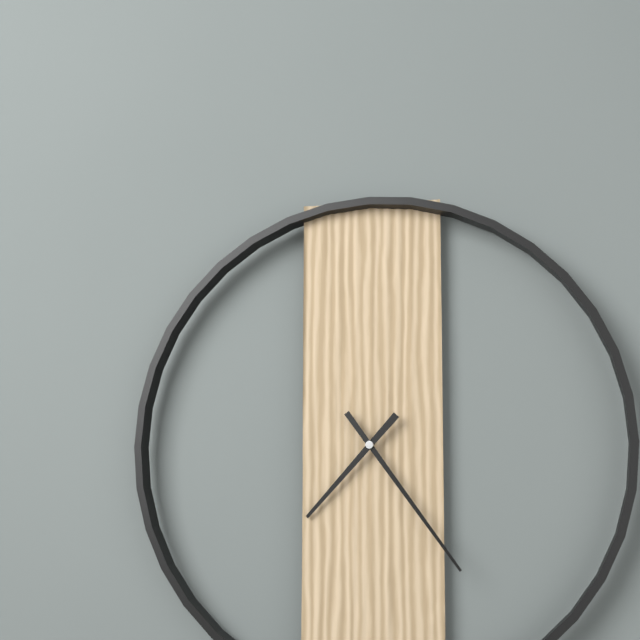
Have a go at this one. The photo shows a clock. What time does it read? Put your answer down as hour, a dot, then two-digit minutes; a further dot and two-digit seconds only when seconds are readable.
7.24
